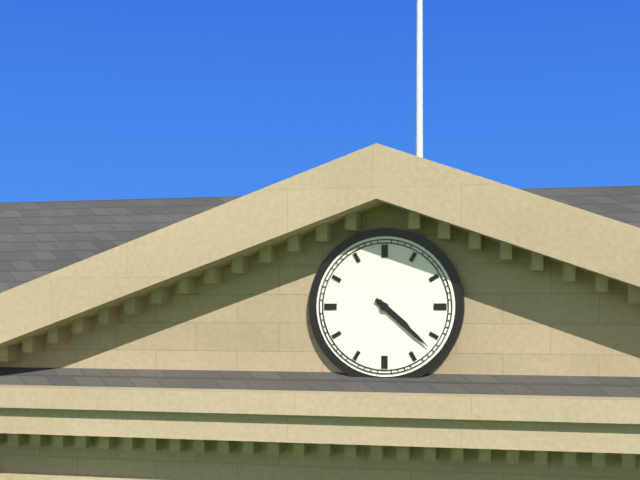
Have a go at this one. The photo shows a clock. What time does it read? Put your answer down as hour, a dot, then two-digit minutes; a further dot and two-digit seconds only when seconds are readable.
4.22
